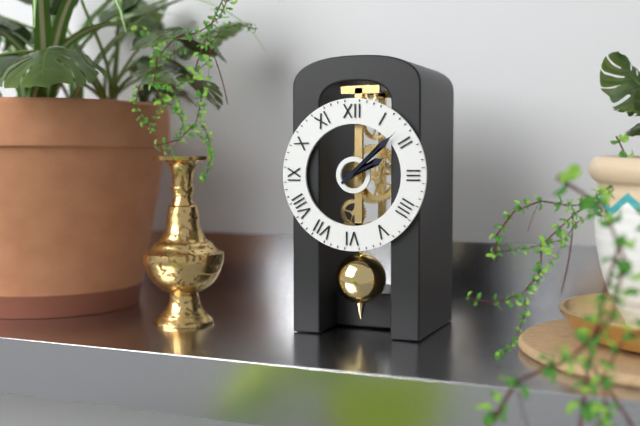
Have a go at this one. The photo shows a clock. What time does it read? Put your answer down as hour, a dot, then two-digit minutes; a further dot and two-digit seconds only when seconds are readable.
2.08
